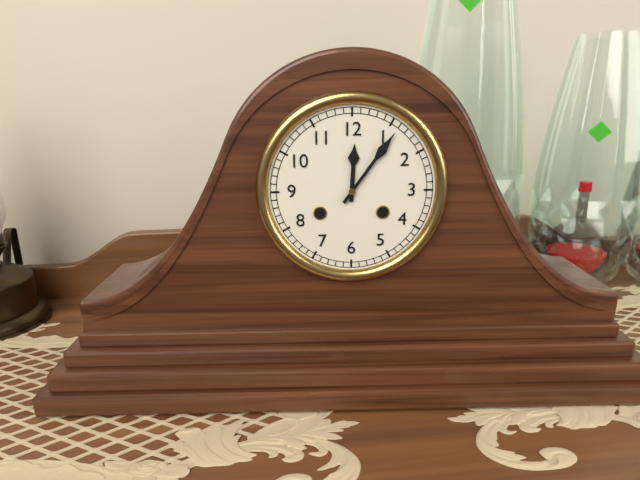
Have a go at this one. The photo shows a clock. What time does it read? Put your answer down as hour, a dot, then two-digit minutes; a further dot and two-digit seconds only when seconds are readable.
12.06
